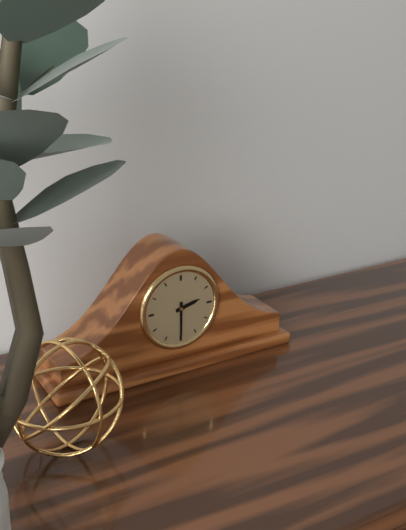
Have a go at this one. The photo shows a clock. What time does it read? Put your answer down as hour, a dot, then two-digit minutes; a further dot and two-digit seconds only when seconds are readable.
2.30
